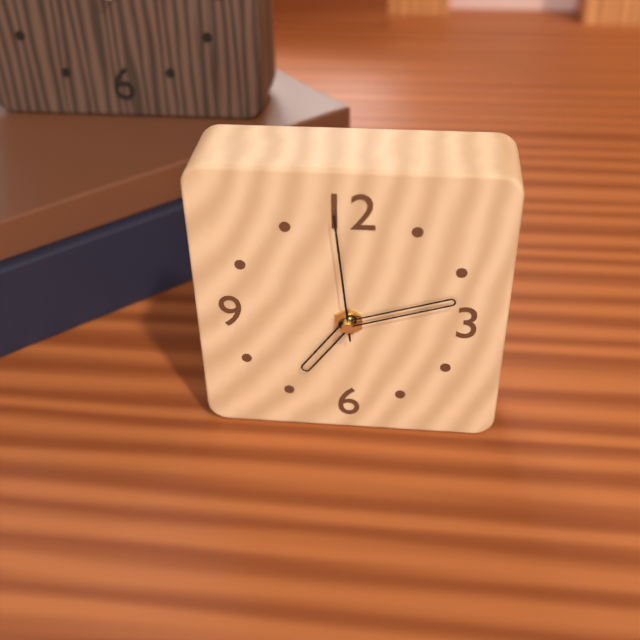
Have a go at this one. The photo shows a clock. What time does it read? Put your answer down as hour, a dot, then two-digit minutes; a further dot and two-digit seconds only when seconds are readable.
7.12.59
